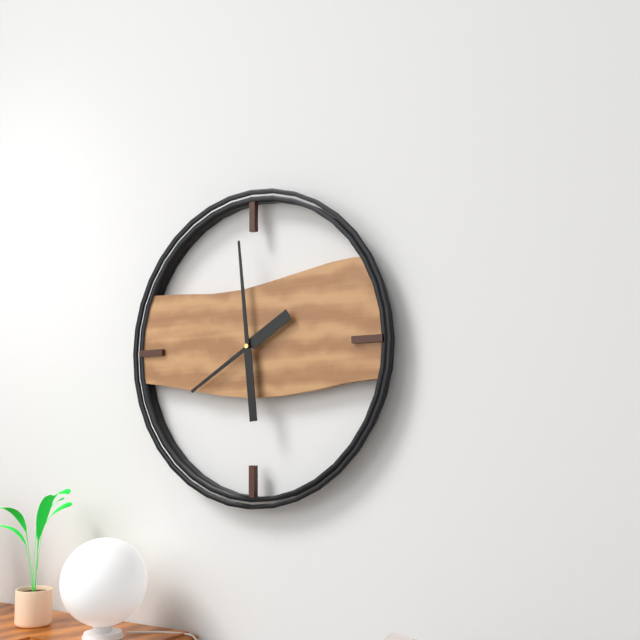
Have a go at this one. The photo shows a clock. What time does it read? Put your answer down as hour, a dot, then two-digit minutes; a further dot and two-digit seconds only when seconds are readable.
7.59
